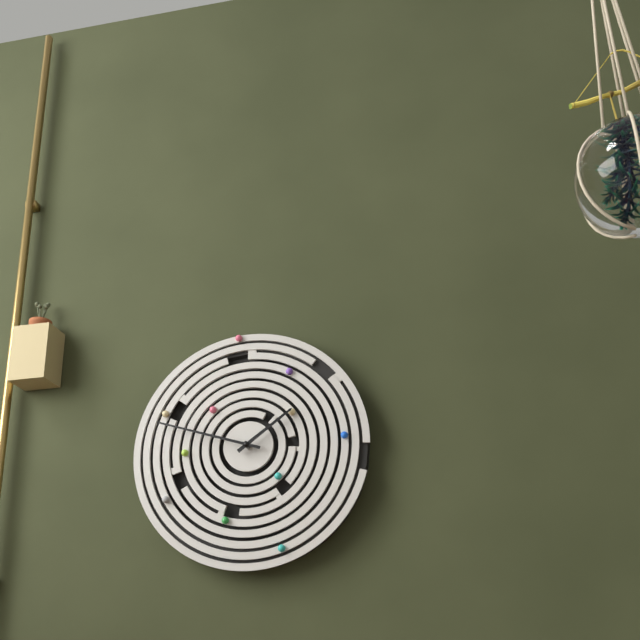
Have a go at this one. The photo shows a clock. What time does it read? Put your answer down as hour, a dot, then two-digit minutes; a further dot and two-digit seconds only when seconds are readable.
1.48
